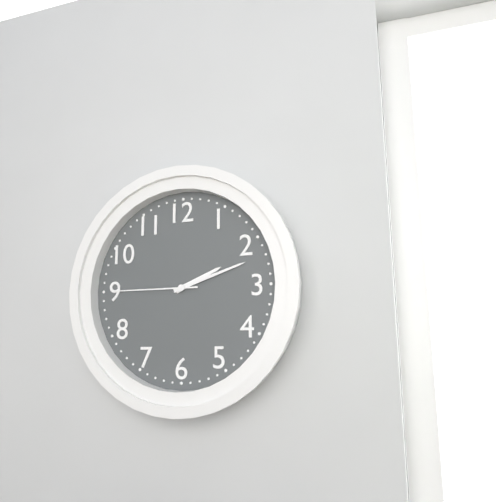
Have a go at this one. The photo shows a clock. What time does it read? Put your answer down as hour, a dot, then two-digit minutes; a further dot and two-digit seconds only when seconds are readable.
2.12.45
